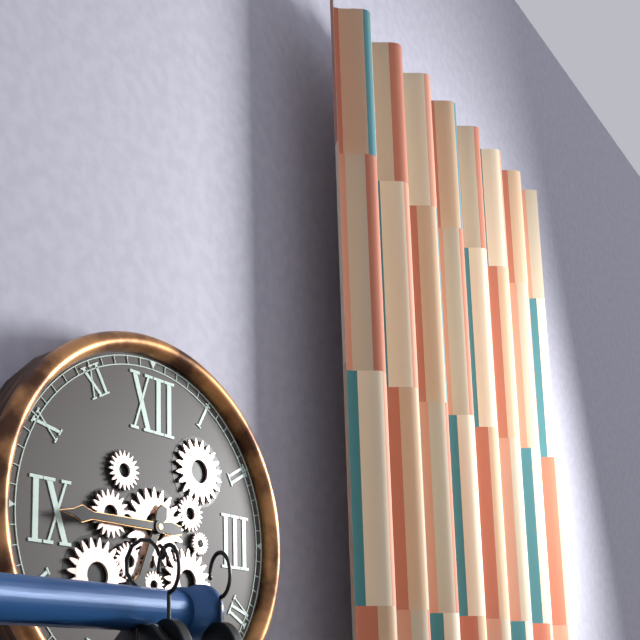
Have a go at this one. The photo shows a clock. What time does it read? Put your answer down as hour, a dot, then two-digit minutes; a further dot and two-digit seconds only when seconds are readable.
6.45
